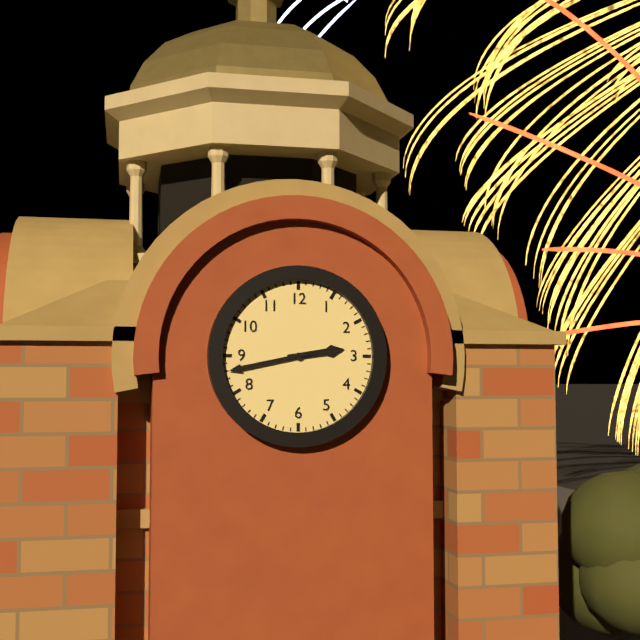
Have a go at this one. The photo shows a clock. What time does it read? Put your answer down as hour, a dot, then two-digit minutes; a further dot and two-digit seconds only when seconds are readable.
2.43
